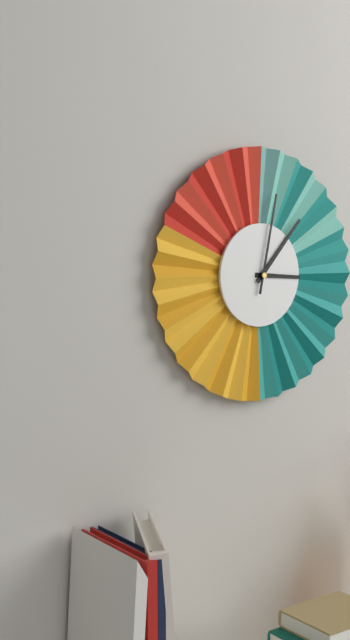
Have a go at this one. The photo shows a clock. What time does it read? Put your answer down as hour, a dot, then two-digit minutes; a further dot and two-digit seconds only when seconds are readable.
3.07.02
